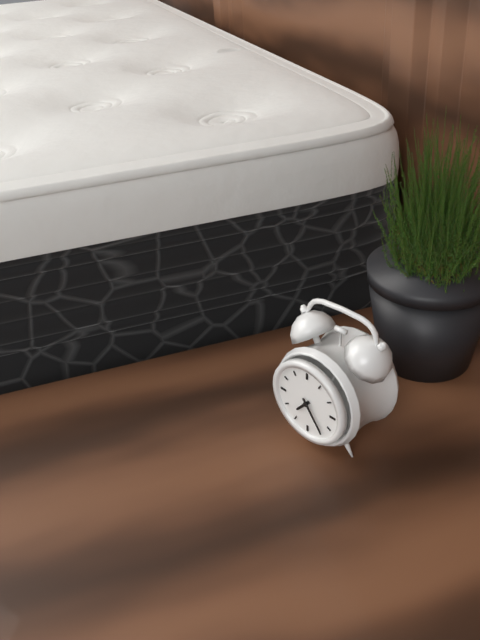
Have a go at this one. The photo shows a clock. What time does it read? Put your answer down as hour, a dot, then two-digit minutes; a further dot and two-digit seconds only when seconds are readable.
7.24
